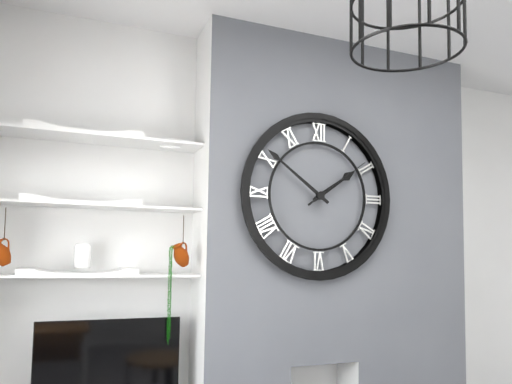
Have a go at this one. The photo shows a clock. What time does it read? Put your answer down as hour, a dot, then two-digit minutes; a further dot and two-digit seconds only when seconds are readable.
1.51.09
